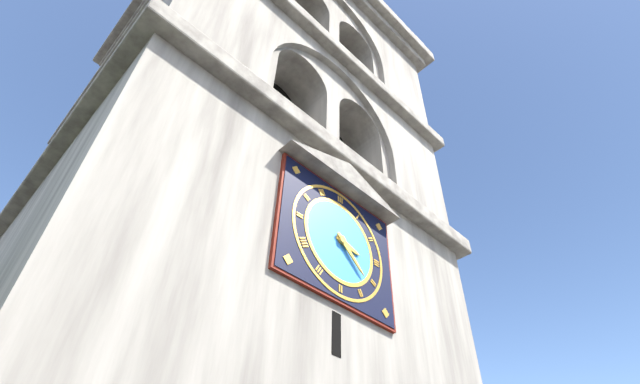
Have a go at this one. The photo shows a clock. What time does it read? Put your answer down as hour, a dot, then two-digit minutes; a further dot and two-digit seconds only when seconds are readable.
3.22
